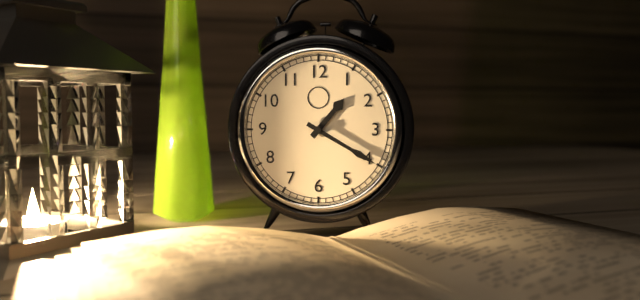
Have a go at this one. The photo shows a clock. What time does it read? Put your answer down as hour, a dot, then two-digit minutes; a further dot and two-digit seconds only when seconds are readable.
1.20
